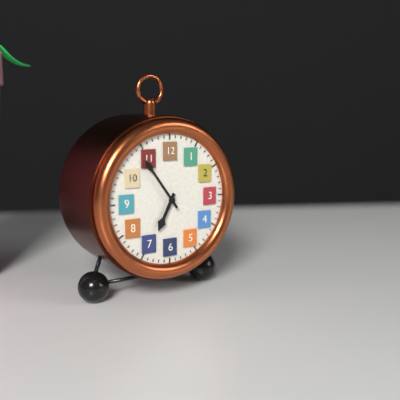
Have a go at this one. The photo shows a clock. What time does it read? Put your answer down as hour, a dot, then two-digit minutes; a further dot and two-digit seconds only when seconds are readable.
6.54
